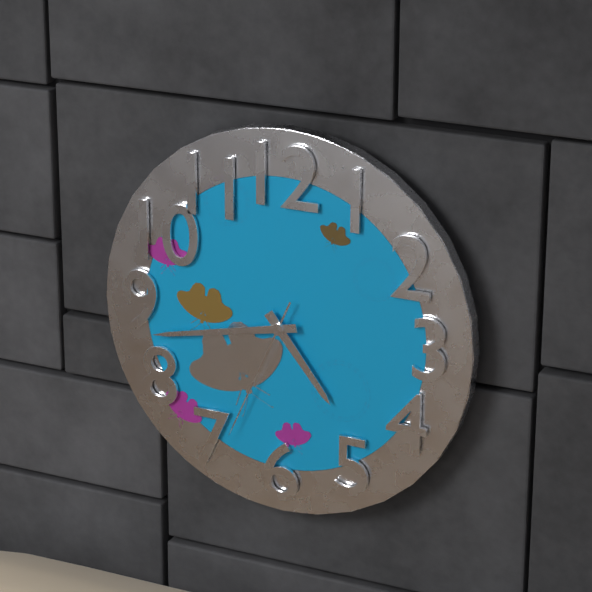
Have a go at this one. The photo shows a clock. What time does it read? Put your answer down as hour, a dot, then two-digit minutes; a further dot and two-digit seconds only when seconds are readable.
4.43.34
